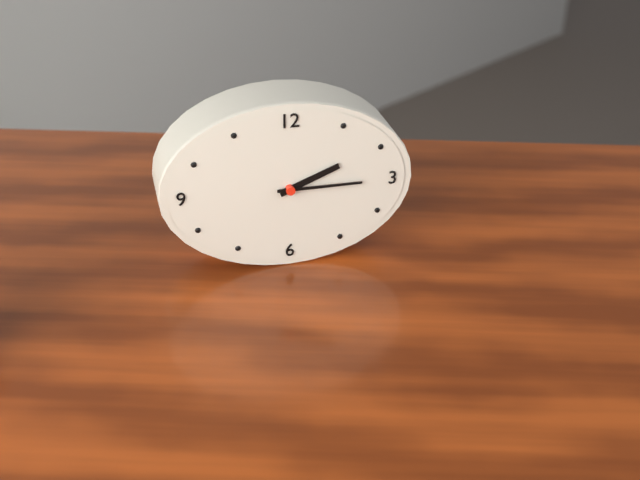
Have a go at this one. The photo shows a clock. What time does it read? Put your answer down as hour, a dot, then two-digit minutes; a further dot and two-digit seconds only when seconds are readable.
2.15
